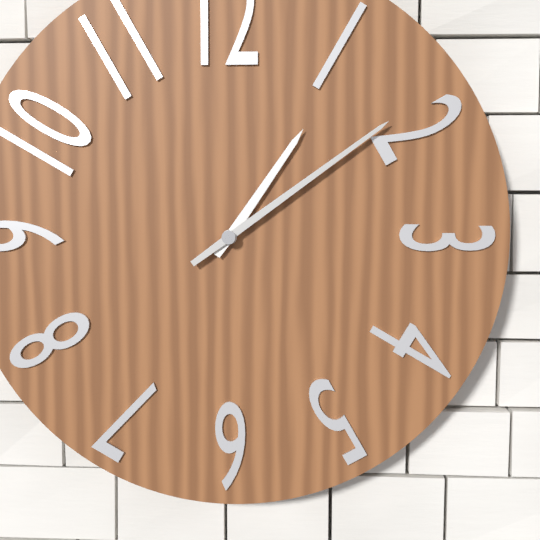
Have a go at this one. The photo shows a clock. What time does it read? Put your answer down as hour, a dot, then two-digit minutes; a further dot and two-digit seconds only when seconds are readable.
1.09
